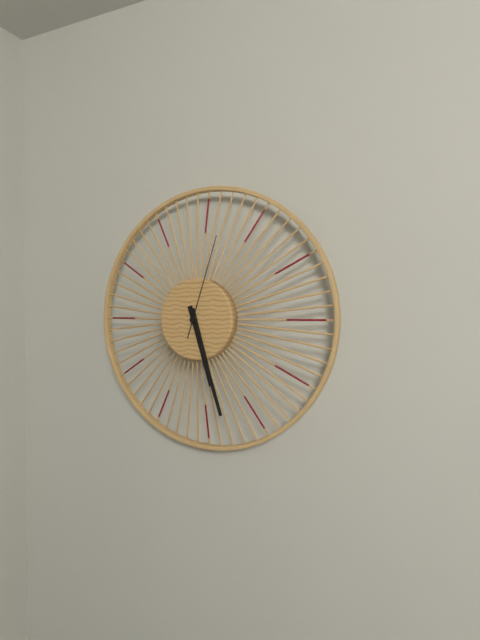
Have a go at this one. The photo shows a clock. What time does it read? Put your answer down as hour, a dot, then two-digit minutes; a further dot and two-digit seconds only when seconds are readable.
5.27.03
